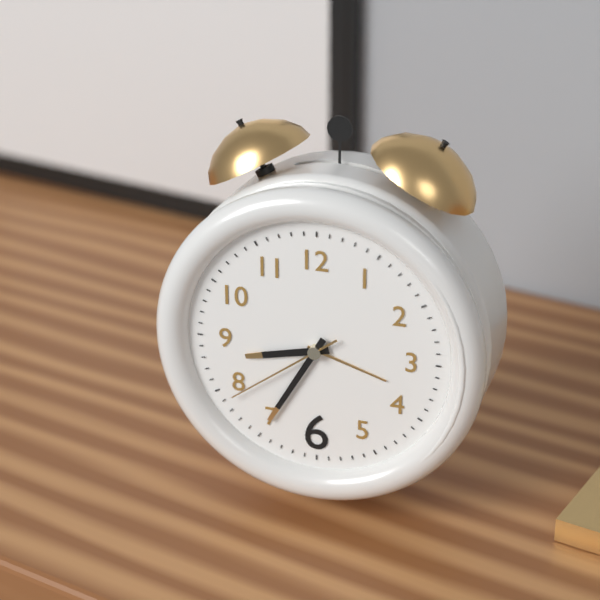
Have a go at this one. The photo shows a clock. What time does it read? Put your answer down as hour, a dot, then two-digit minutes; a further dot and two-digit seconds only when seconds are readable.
8.35.39
